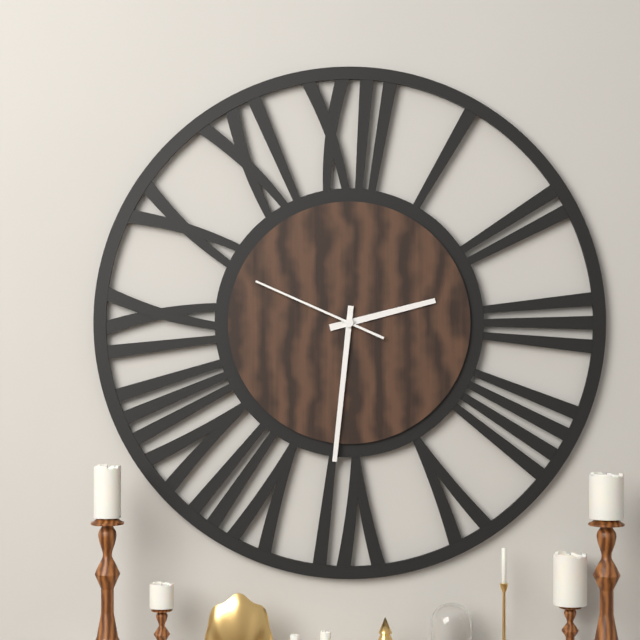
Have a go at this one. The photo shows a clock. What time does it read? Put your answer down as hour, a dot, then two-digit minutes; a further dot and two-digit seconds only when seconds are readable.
2.31.49
